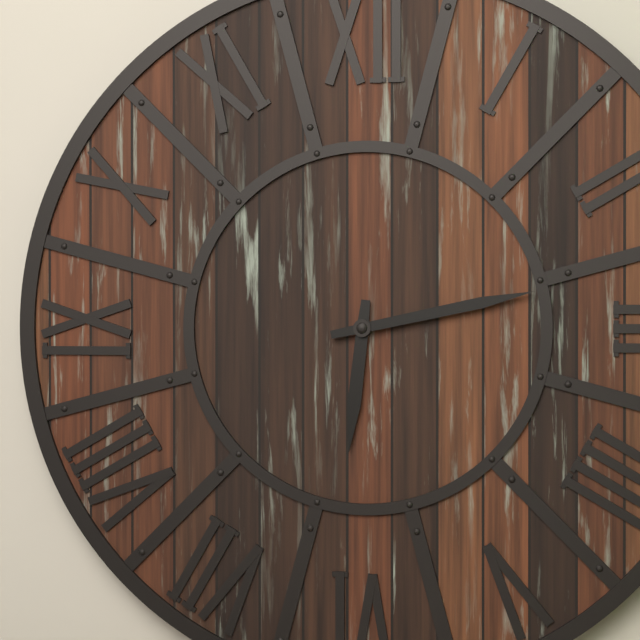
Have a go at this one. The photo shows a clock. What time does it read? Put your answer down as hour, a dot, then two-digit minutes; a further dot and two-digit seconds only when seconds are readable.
6.13
